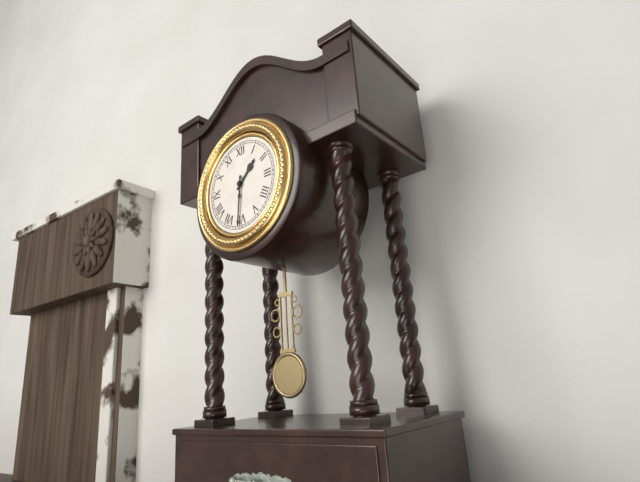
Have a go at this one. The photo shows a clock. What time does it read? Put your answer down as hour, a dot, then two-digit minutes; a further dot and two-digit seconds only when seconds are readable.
1.31
